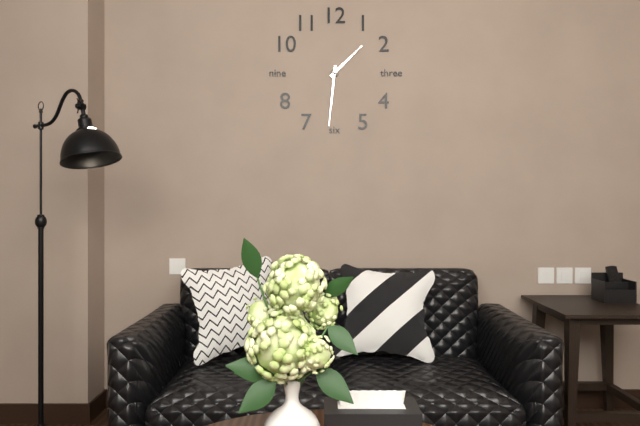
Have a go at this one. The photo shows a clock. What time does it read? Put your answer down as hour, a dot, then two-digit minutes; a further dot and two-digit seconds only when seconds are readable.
1.31
